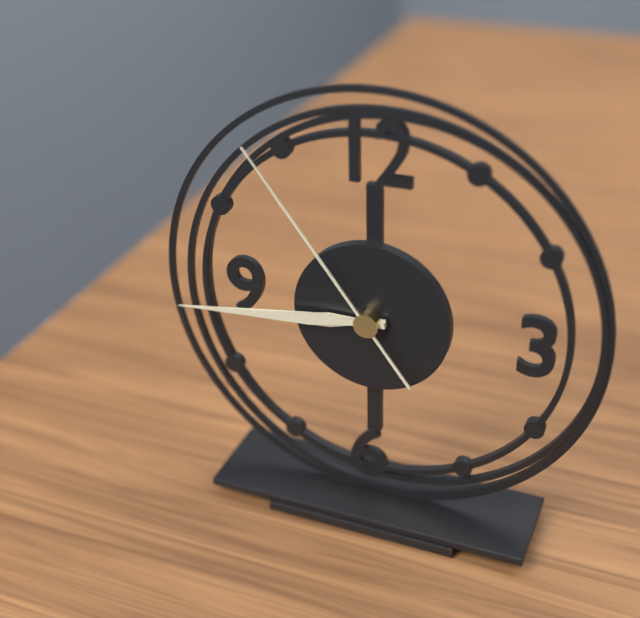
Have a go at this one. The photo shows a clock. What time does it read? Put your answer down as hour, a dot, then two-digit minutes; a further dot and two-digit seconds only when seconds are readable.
8.44.54
